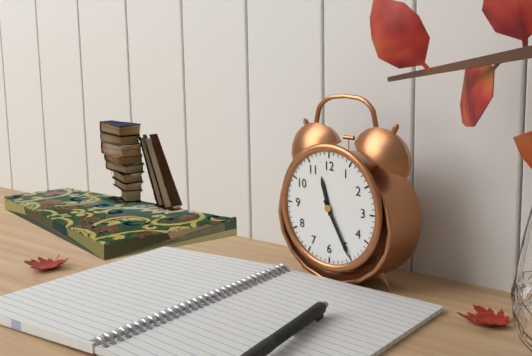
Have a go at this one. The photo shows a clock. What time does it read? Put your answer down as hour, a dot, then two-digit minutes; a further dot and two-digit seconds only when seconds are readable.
11.25
